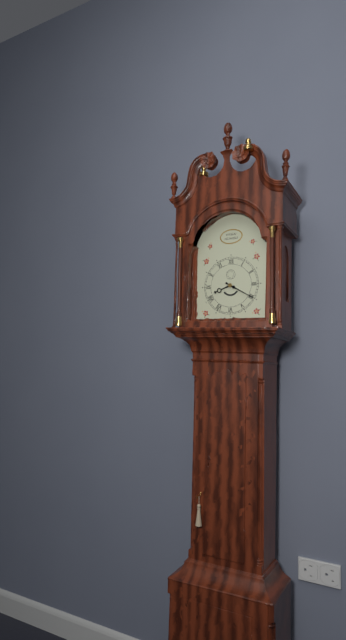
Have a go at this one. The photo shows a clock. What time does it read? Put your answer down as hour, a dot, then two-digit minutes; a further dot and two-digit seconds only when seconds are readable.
8.20
